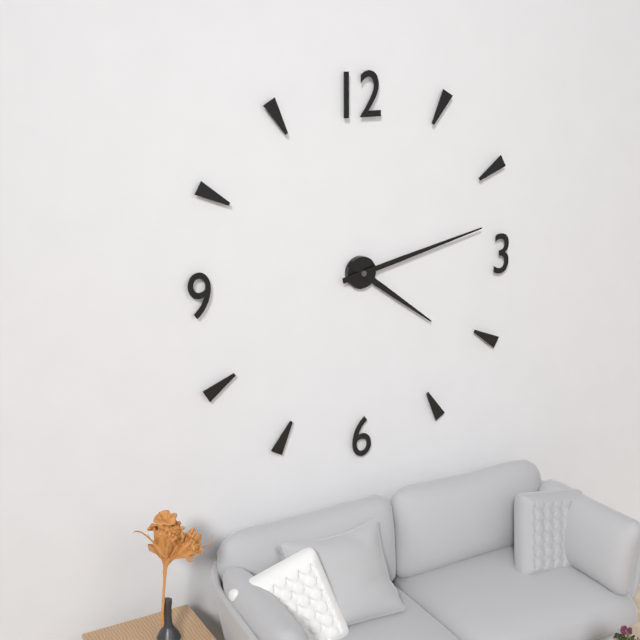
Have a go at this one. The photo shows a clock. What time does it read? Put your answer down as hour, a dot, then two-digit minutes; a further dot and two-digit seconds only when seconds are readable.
4.13
